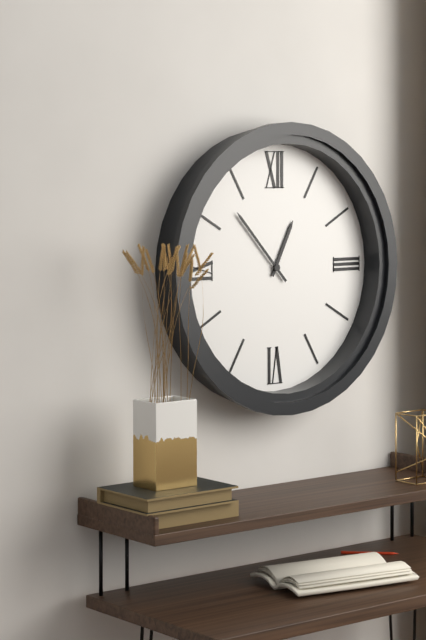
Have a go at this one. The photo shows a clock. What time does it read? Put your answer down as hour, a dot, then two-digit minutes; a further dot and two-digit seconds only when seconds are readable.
12.53
